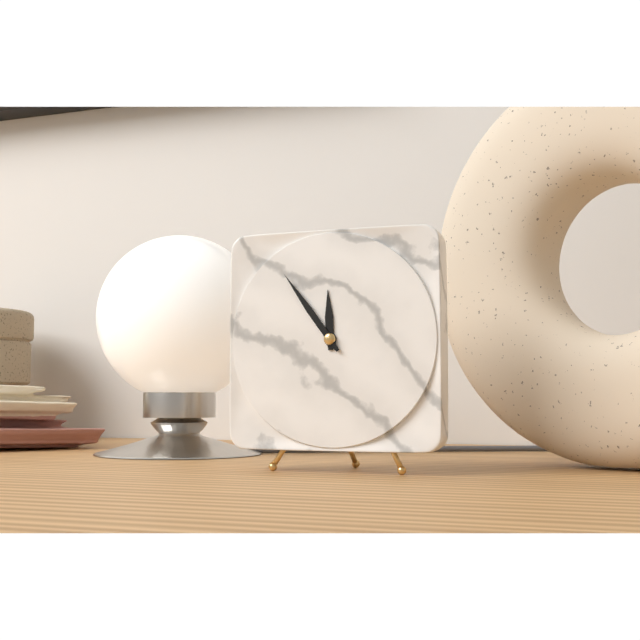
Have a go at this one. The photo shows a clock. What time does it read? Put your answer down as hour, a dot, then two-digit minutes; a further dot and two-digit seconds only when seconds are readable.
11.54
